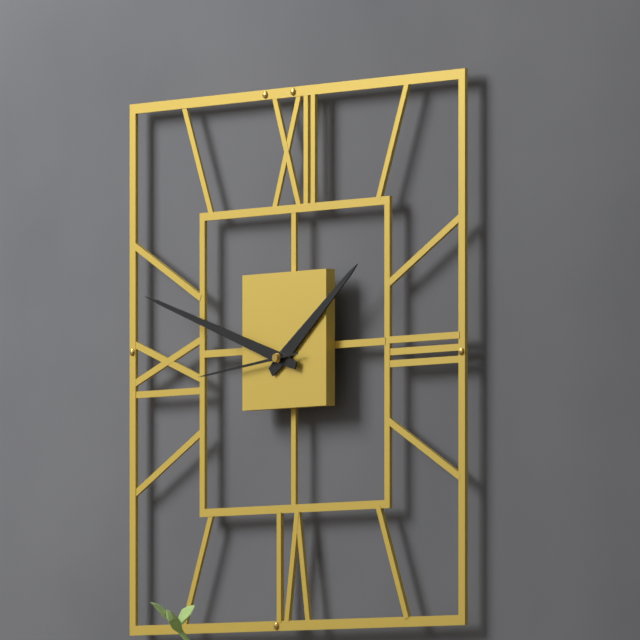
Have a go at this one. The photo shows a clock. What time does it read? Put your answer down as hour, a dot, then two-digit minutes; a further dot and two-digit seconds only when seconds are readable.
1.48.44
